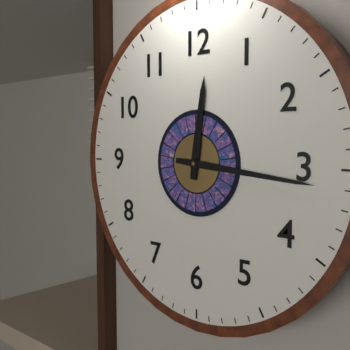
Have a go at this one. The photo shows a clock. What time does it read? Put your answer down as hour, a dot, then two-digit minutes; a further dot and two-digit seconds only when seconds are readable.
12.16
